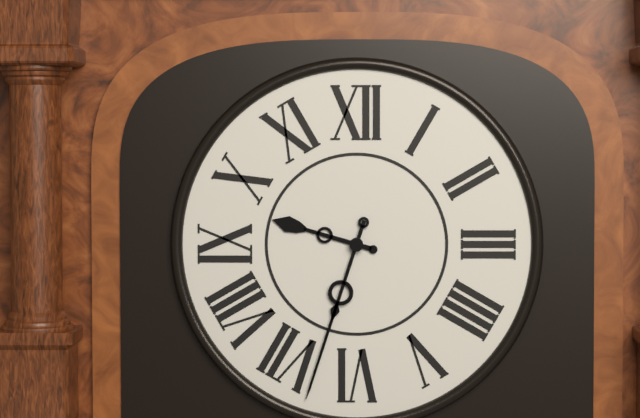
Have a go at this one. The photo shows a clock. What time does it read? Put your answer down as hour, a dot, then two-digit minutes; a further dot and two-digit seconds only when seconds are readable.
9.33
